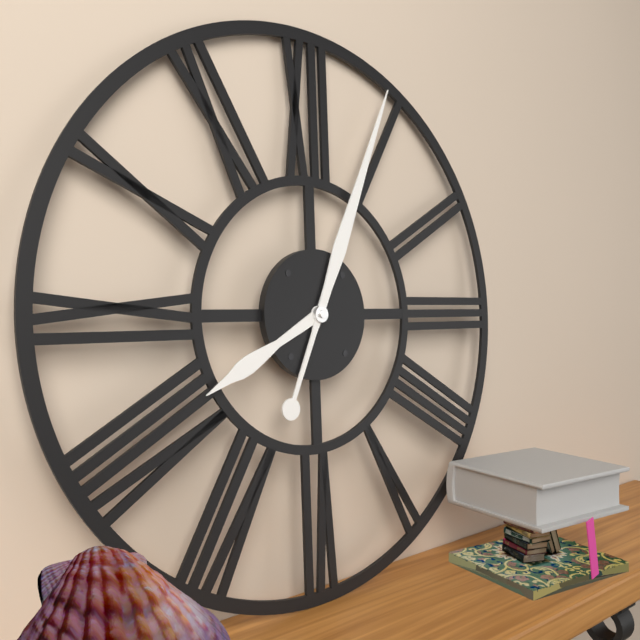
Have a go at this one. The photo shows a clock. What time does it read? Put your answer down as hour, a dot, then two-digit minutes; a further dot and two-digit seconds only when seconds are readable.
8.04
